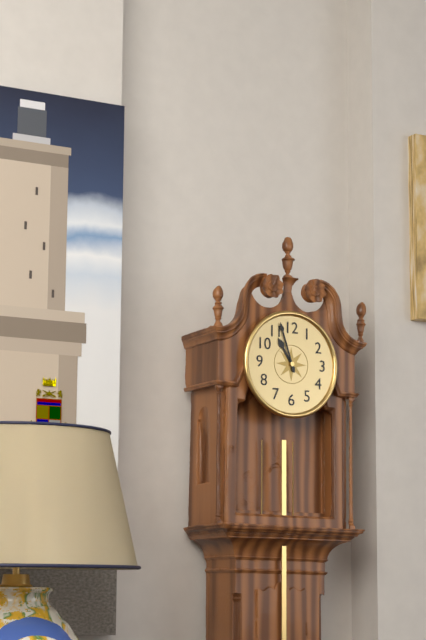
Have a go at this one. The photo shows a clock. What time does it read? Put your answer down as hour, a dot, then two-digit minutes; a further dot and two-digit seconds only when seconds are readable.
10.57
